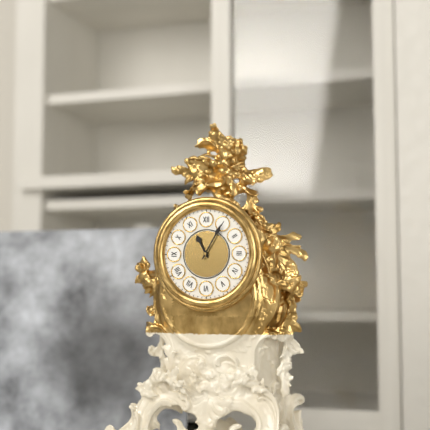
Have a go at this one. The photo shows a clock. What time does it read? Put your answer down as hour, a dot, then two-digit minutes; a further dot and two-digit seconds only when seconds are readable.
11.05
